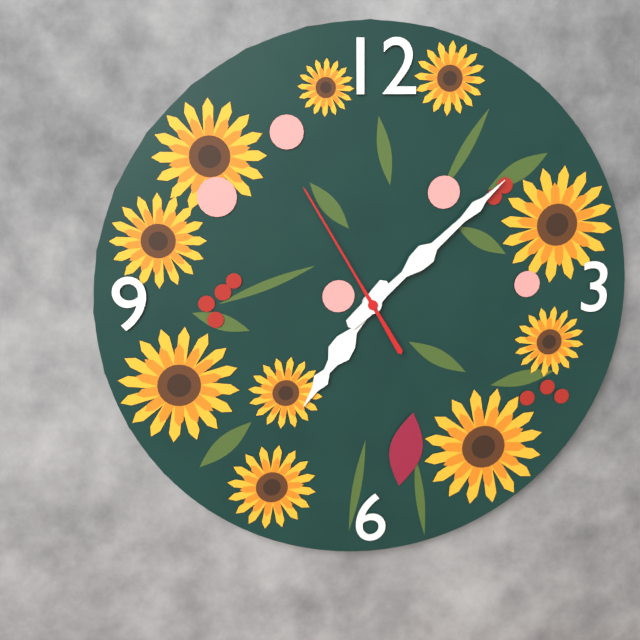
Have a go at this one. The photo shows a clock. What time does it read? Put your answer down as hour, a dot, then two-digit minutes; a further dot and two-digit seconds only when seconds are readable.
7.08.55
